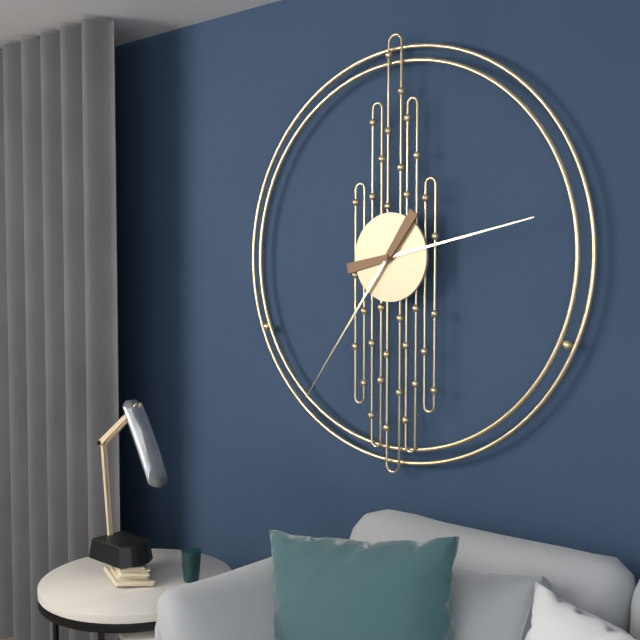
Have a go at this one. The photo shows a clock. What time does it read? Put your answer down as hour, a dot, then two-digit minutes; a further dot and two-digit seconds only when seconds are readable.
2.36
